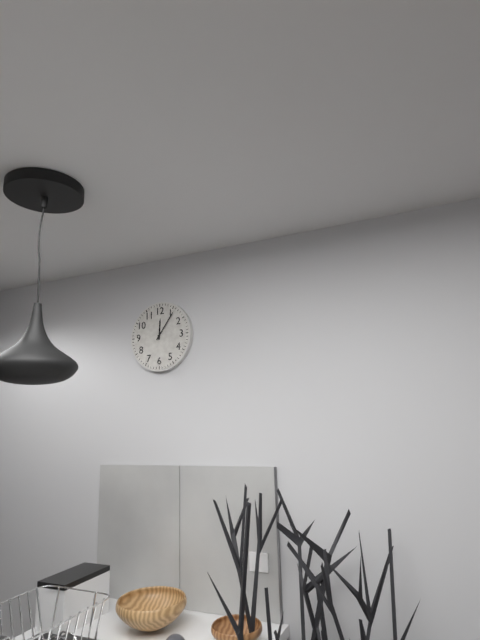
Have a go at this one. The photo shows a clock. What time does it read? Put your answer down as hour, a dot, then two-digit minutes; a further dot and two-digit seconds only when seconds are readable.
12.06
